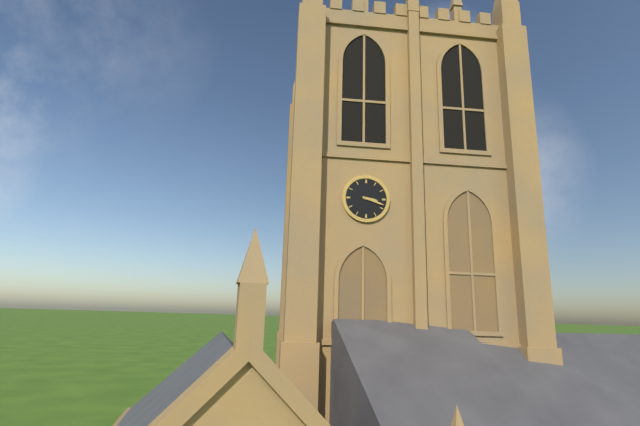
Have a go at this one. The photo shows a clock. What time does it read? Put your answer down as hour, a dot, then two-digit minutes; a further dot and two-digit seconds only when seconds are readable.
3.18
